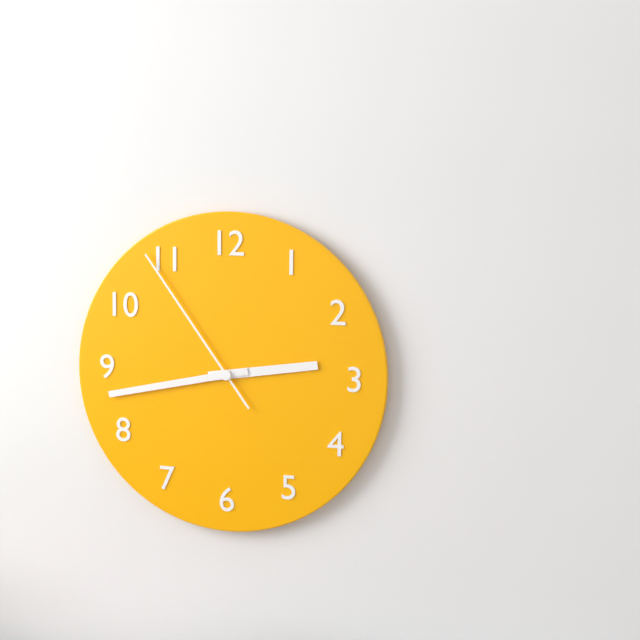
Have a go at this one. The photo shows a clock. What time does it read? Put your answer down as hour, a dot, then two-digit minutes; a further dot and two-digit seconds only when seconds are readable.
2.43.54
